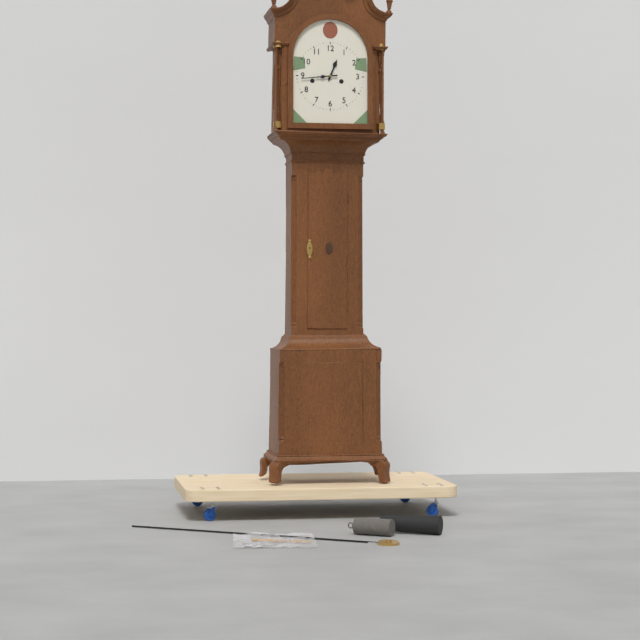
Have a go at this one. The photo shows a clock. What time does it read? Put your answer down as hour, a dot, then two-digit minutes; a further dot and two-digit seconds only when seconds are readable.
12.44
